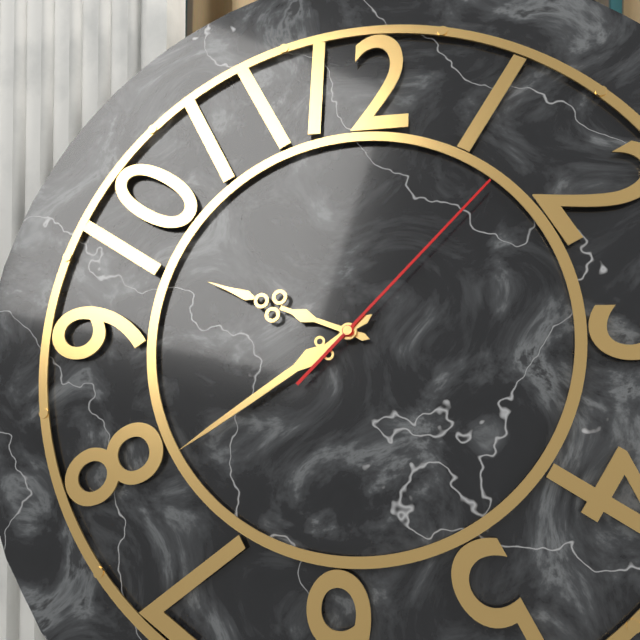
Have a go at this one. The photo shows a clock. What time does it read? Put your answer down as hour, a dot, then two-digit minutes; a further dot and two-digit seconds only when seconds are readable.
9.39.07
